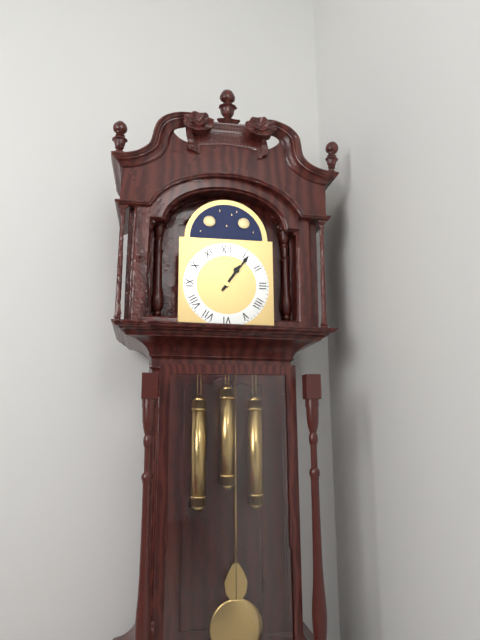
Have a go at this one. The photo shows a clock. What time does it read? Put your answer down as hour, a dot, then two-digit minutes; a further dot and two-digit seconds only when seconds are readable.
1.06
